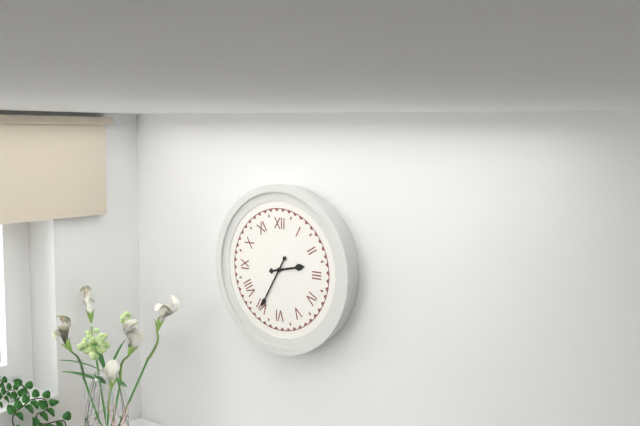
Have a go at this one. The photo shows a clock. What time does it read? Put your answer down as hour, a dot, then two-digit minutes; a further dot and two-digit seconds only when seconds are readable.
2.35
